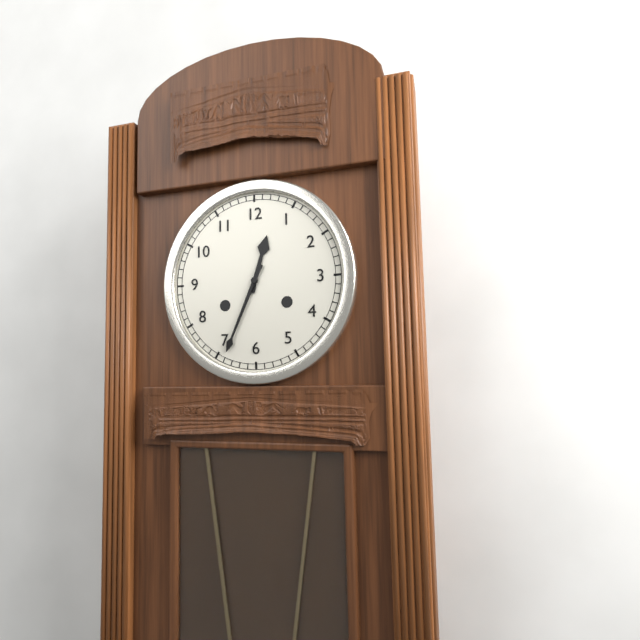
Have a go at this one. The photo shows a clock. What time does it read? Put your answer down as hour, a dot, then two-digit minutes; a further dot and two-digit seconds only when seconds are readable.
12.34
